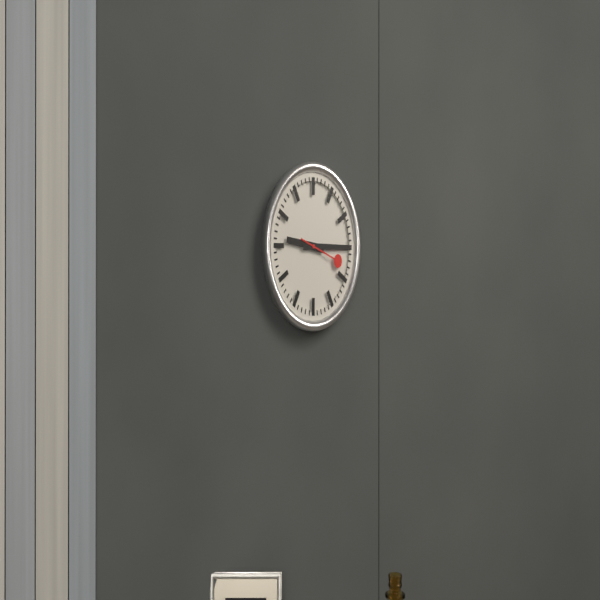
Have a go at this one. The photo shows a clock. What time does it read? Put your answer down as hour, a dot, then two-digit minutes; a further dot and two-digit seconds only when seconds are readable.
9.15
